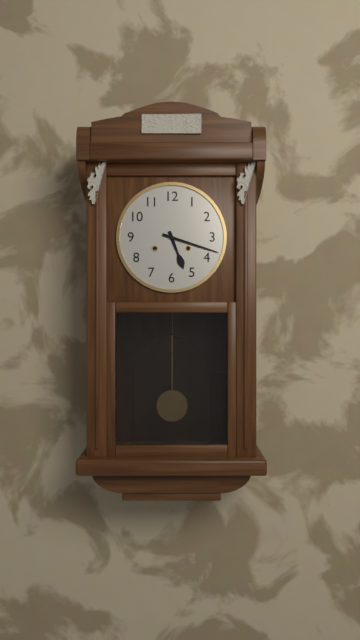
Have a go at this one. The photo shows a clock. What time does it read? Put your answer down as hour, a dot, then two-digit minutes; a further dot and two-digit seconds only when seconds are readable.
5.18
